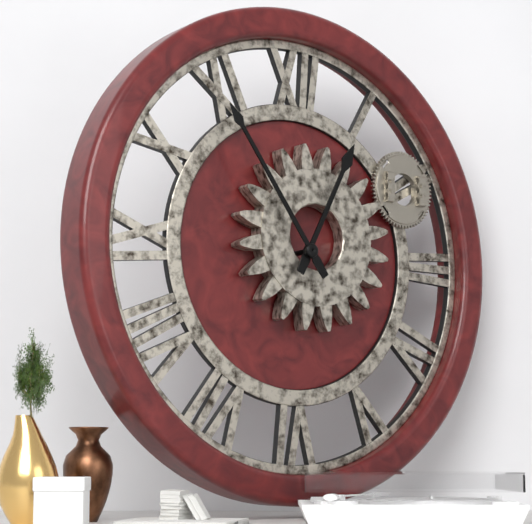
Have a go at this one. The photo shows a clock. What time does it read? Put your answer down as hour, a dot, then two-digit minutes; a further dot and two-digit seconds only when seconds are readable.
12.54
